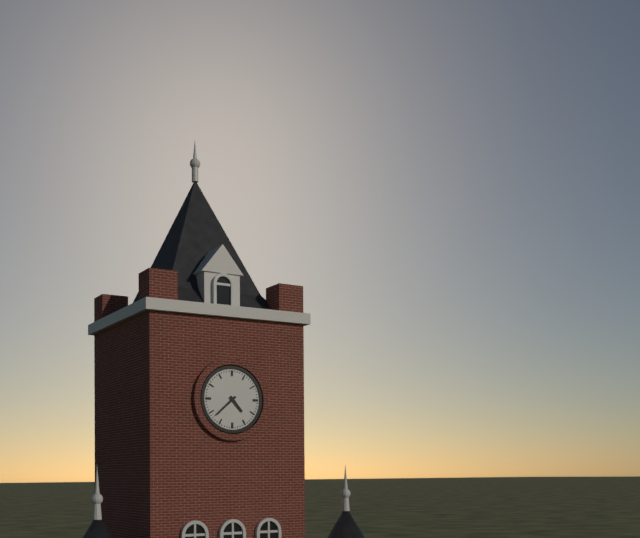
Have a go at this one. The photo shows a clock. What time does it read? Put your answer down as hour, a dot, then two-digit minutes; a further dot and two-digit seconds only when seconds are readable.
4.38
